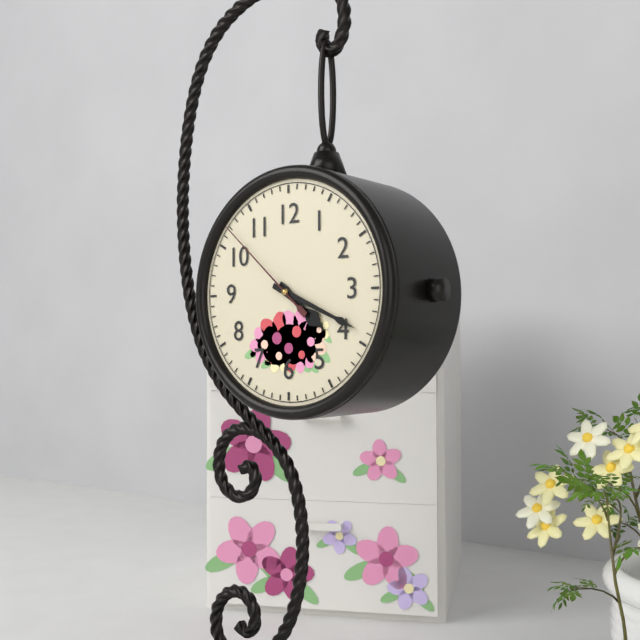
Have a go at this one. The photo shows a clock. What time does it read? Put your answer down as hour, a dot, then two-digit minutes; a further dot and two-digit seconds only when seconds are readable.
4.19.52
